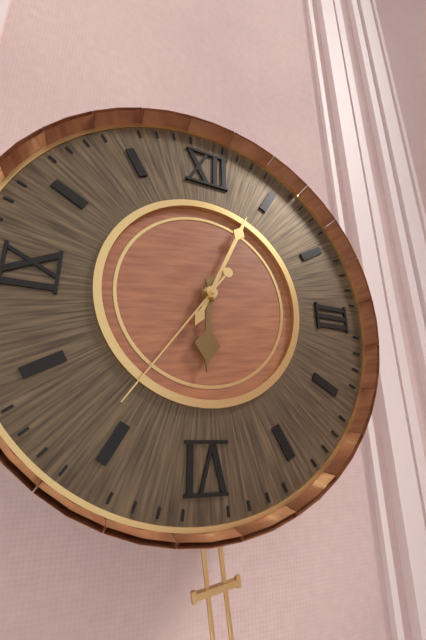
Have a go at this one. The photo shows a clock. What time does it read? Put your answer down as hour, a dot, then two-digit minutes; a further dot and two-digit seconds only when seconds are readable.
6.04.36
